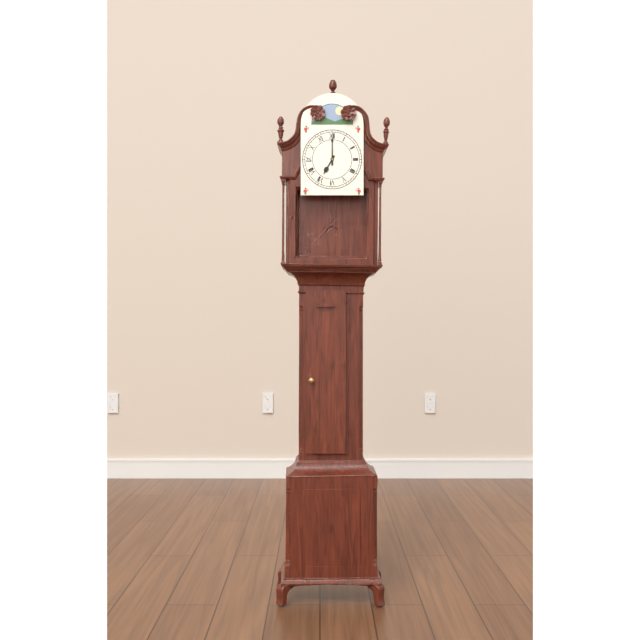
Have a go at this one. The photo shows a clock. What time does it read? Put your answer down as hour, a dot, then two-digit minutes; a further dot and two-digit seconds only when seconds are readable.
7.00
